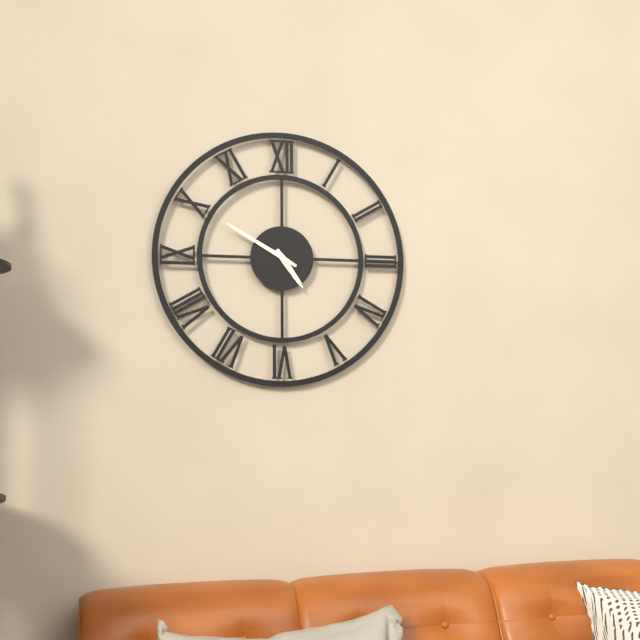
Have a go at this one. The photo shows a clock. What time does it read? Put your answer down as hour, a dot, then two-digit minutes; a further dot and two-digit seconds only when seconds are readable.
4.50
